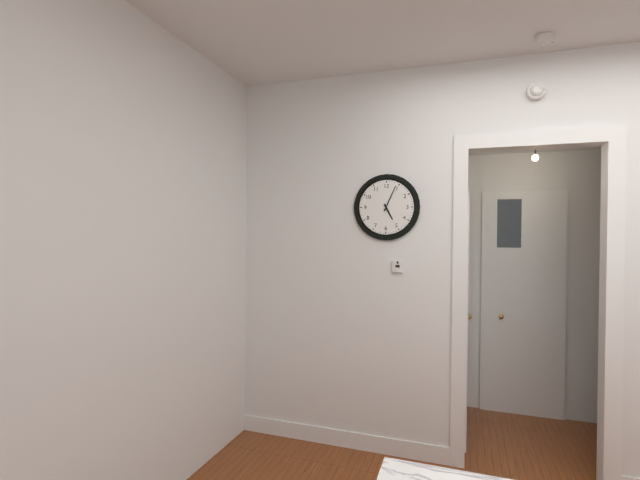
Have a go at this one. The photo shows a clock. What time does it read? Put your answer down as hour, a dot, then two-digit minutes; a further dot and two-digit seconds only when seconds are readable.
5.04
